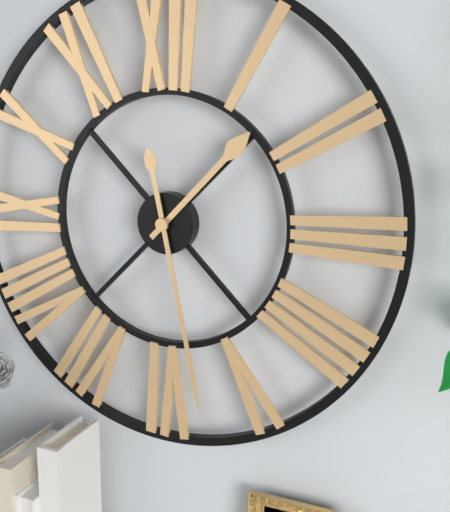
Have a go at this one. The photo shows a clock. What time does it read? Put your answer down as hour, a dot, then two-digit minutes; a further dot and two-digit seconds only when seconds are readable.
1.28
